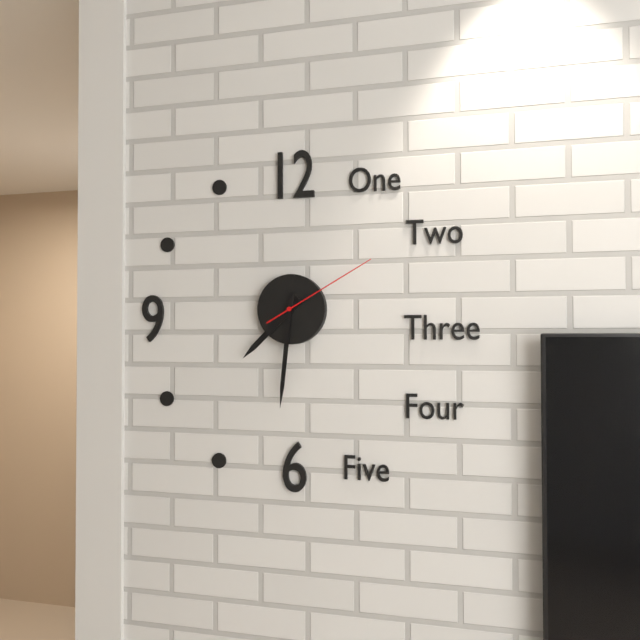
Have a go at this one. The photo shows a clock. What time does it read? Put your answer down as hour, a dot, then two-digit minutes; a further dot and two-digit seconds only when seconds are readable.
7.31.10
